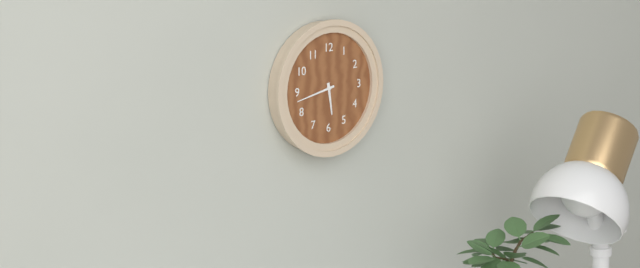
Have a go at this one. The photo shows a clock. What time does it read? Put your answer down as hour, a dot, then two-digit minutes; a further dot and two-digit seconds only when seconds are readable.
5.43
